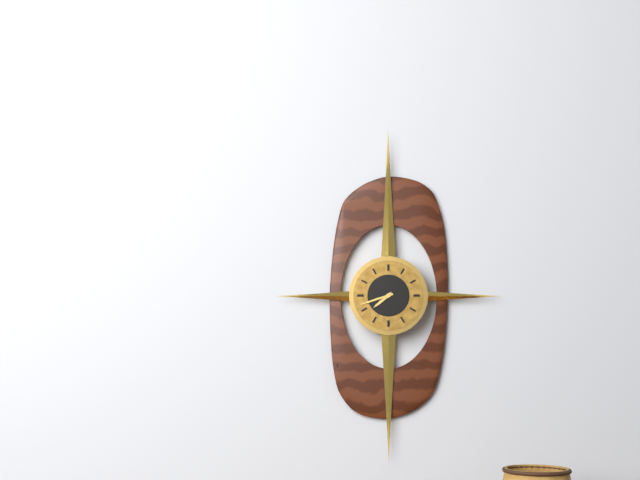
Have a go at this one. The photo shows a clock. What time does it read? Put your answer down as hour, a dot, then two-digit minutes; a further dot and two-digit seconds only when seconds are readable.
7.42
